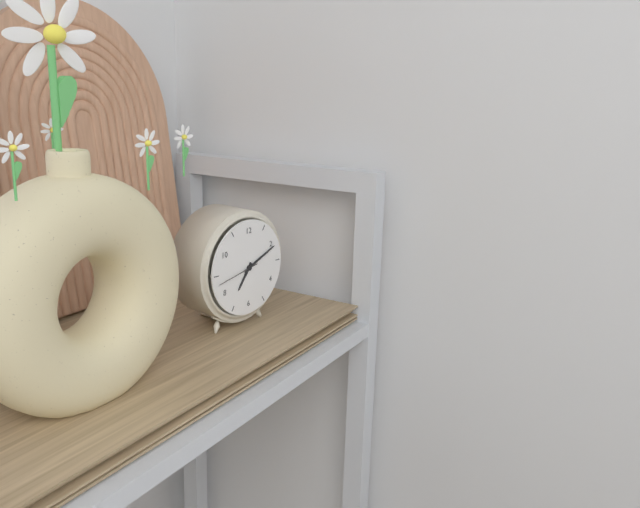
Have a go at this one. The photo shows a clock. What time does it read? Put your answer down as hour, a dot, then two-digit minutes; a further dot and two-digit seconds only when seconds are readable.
7.11
